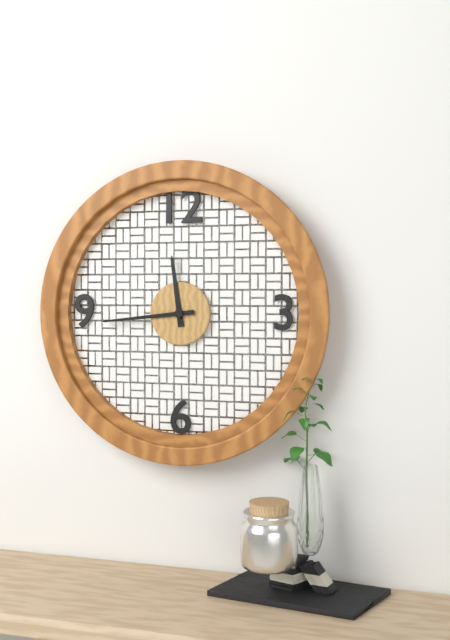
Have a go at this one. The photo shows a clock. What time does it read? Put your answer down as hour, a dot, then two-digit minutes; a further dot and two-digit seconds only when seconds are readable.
11.44
